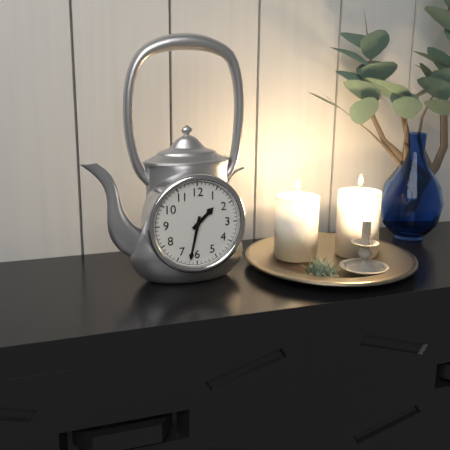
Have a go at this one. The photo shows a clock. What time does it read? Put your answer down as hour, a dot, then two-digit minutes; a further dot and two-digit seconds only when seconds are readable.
1.32
